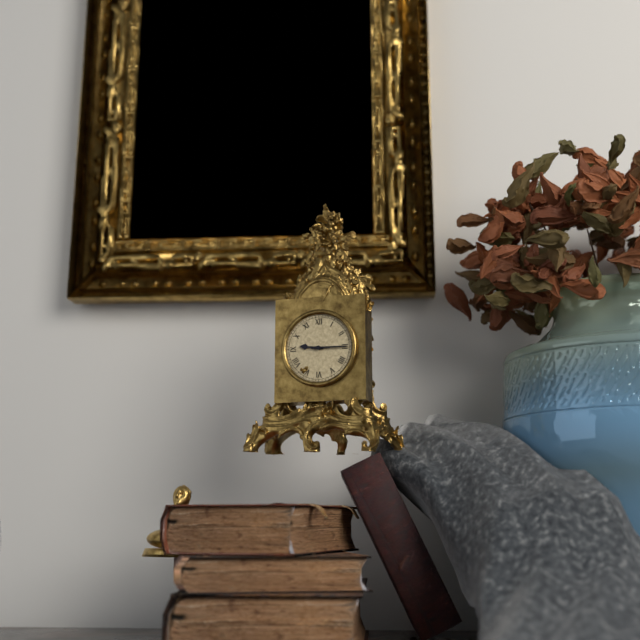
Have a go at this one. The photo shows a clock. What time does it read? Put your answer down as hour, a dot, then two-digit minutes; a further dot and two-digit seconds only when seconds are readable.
9.15
